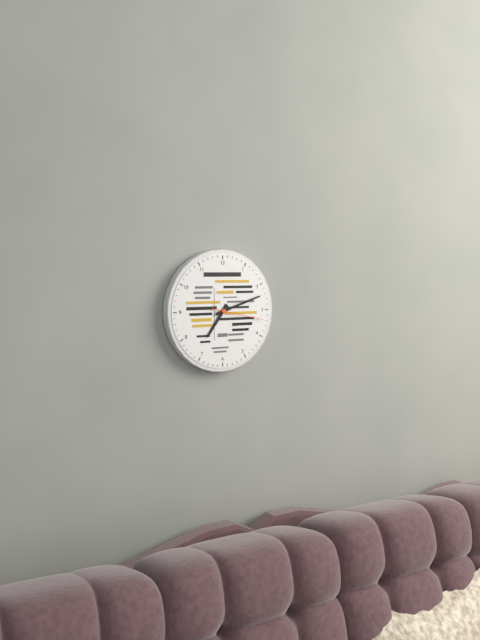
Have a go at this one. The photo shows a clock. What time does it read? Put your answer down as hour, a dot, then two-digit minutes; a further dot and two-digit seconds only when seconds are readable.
7.12.17
